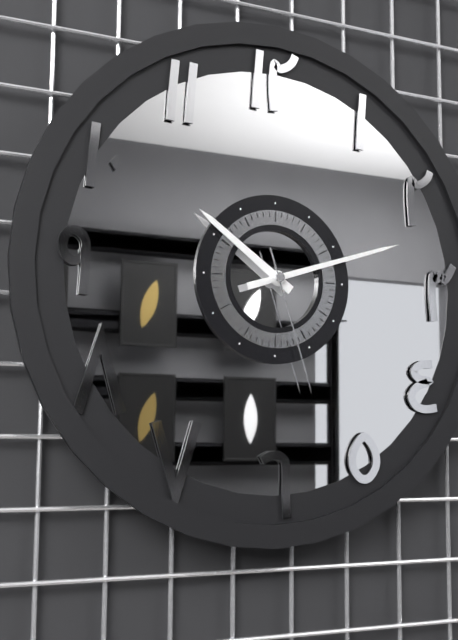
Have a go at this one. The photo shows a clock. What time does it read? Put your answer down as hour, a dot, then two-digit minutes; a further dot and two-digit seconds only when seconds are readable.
10.12.27
